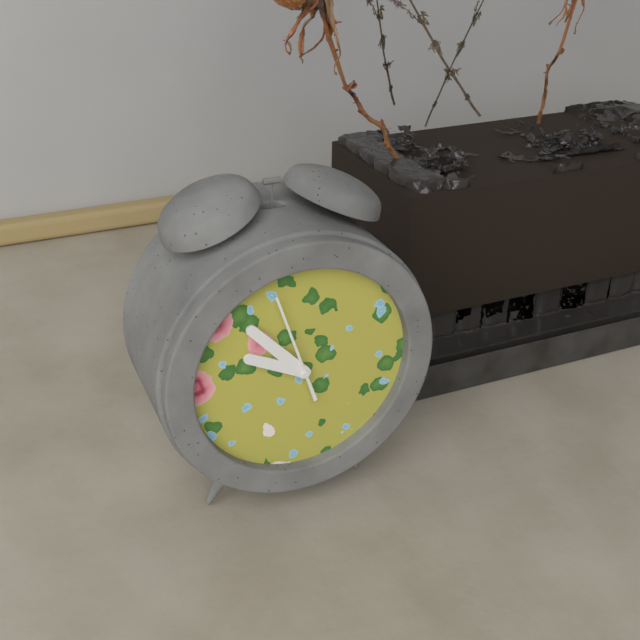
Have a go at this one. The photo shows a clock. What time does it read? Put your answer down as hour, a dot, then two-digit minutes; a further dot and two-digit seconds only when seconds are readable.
9.53.57
